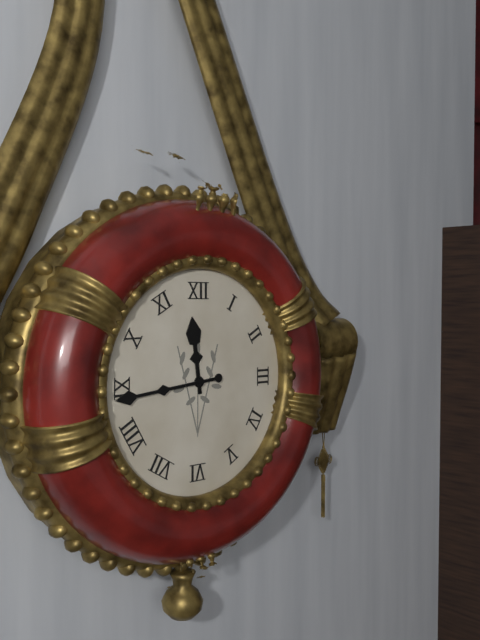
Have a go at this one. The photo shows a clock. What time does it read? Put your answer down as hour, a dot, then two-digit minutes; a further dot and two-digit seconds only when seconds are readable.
11.44
